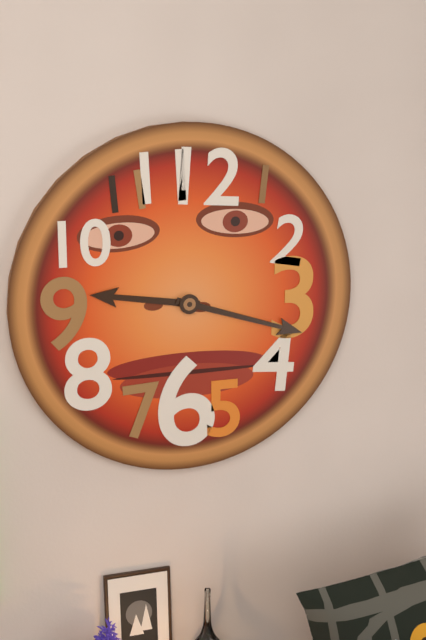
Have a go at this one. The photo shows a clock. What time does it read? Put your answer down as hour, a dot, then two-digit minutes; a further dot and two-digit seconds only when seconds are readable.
9.18
